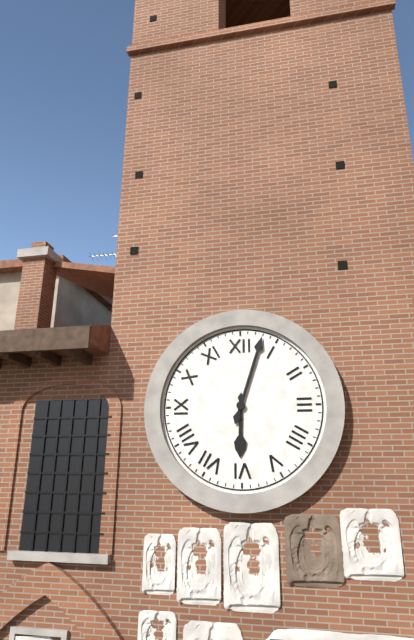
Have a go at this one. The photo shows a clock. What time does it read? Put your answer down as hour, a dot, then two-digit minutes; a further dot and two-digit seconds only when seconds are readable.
6.03
